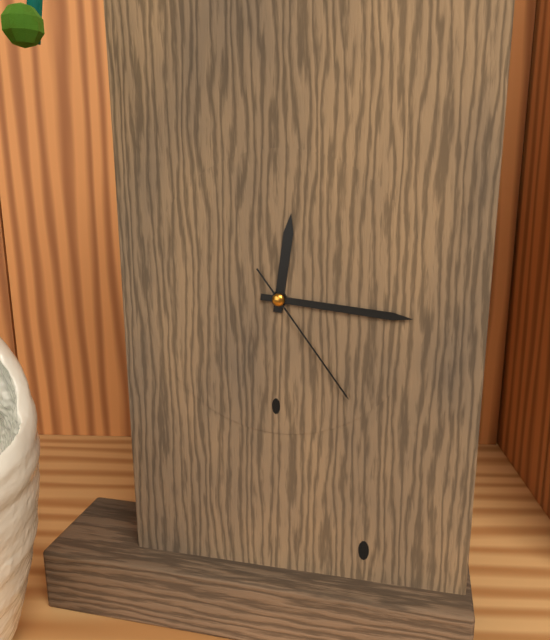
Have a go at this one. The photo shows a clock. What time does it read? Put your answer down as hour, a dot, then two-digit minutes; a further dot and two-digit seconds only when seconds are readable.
12.16.24
